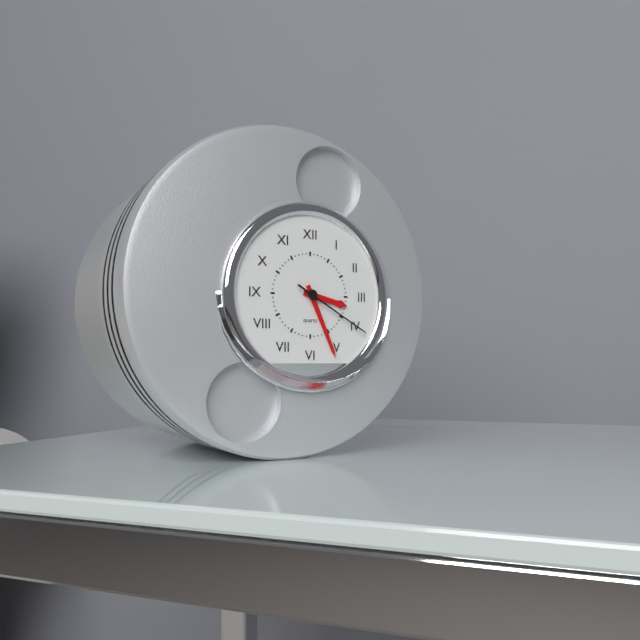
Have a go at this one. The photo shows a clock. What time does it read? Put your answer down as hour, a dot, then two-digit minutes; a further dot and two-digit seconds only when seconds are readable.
3.26.20
